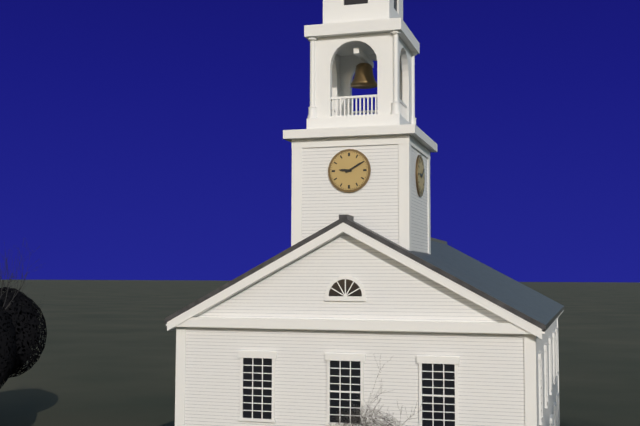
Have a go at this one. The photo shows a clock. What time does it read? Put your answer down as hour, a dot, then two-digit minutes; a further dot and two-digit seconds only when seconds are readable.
9.10
